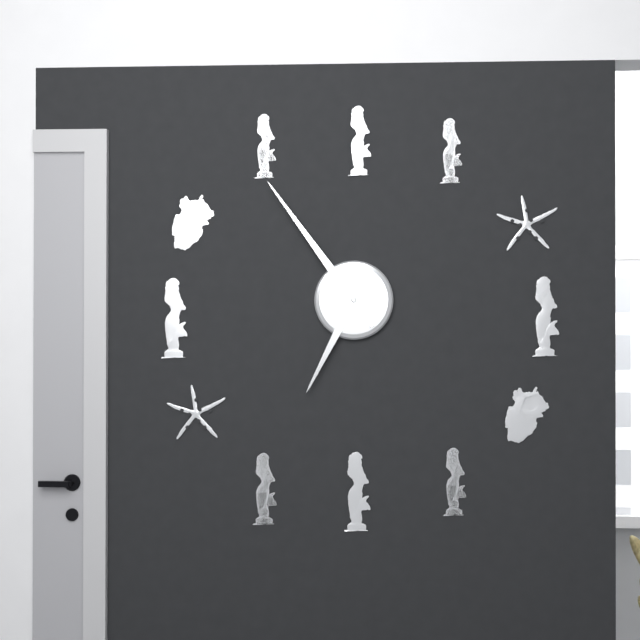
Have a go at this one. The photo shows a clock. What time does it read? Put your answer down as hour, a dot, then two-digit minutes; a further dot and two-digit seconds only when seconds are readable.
6.54
